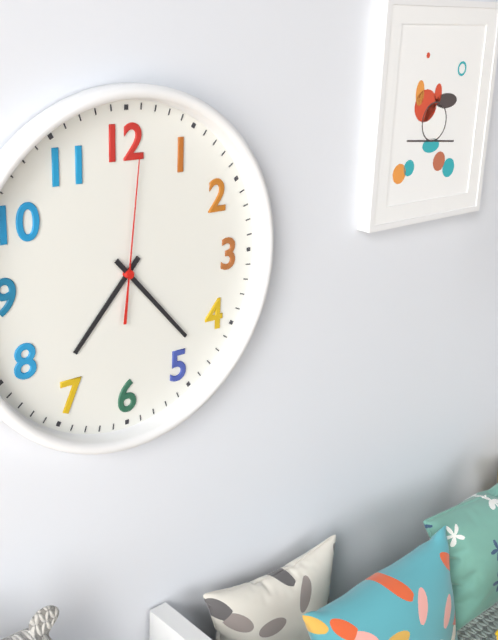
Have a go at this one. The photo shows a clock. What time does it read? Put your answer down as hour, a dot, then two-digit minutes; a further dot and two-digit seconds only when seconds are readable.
7.23.01
